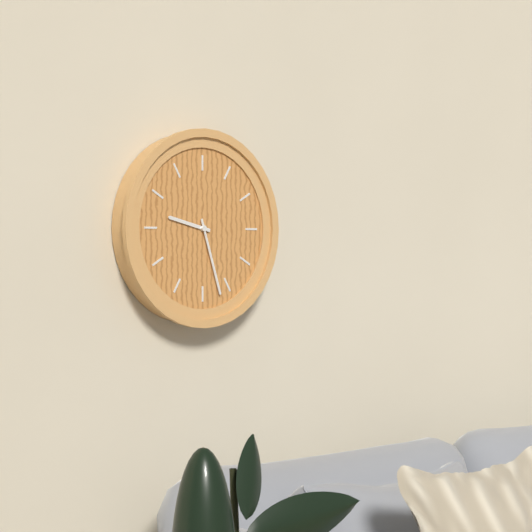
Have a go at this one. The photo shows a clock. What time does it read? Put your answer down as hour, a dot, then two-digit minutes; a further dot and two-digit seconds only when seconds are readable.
9.27
